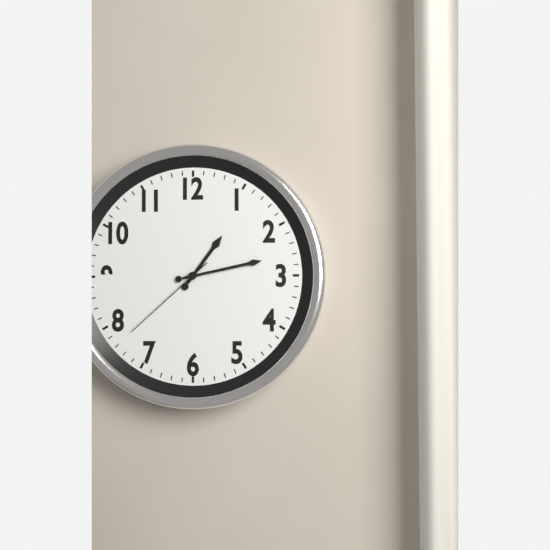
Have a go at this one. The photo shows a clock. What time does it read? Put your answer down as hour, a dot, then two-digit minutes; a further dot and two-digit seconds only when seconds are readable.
1.13.38
